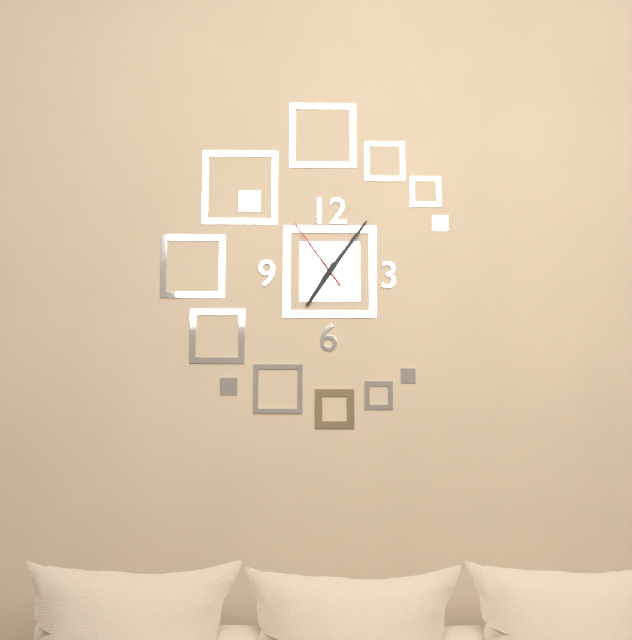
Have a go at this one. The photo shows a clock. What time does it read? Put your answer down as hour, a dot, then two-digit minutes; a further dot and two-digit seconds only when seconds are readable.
7.06.54
